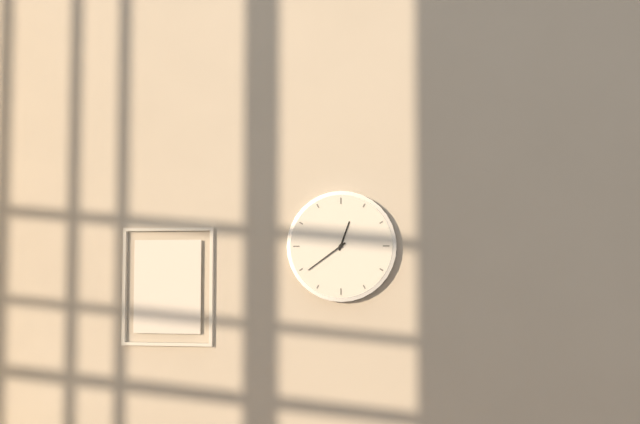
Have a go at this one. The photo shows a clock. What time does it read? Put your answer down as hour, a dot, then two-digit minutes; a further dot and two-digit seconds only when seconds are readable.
12.39
